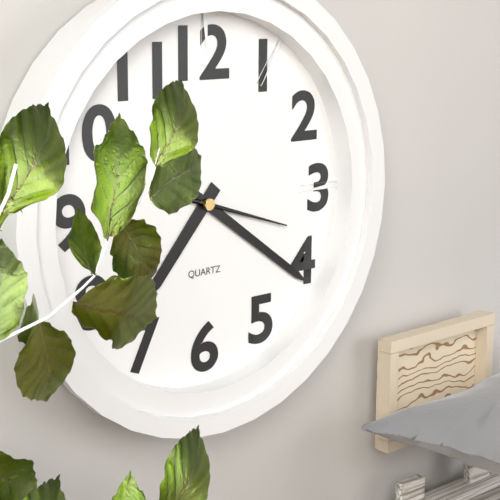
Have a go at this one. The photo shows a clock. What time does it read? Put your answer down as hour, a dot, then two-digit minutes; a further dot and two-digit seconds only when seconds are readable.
7.21.18
